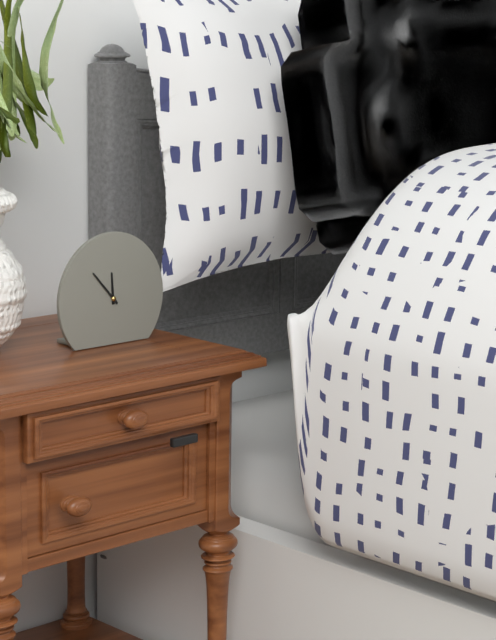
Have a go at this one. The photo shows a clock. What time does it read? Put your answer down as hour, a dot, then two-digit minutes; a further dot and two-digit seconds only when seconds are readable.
11.53
